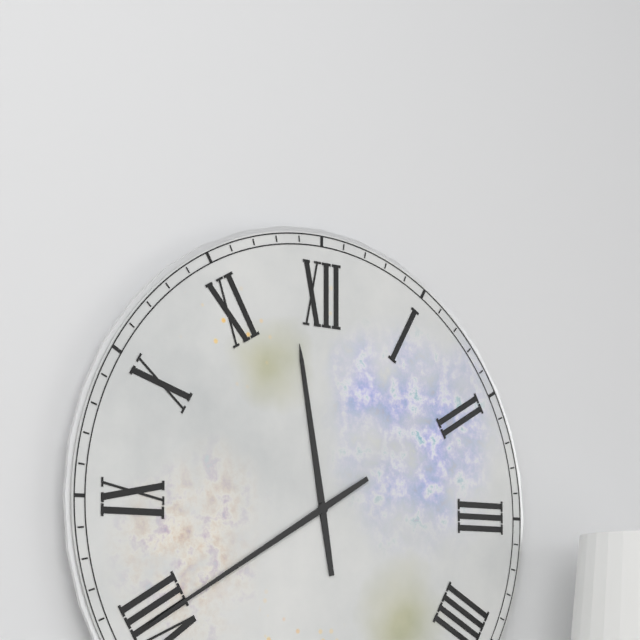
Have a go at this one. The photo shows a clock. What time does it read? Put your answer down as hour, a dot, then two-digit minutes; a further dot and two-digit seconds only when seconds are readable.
11.40
